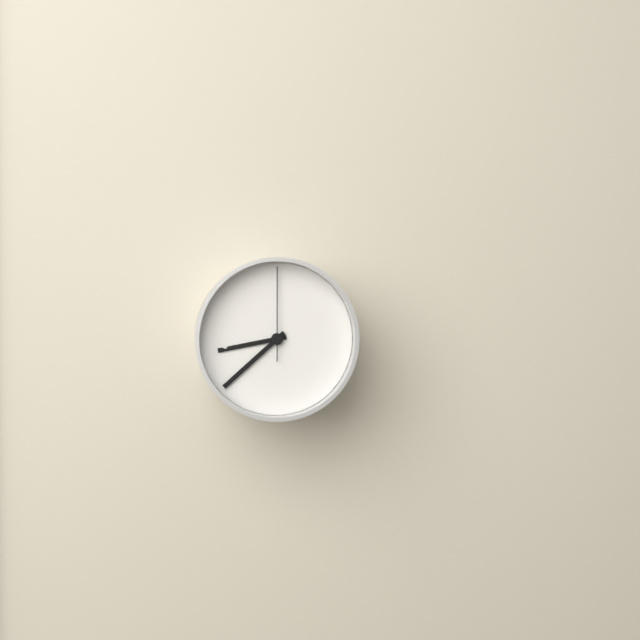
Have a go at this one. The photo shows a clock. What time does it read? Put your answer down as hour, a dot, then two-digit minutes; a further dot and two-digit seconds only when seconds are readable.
8.38.00
